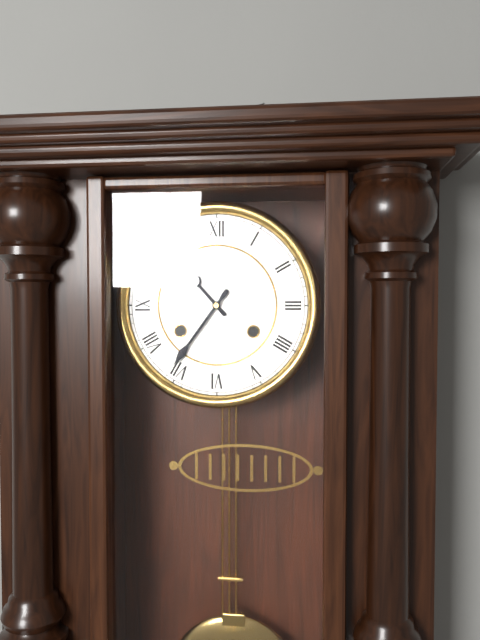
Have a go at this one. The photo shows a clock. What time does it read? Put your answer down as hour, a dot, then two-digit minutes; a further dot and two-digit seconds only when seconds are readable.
10.36
